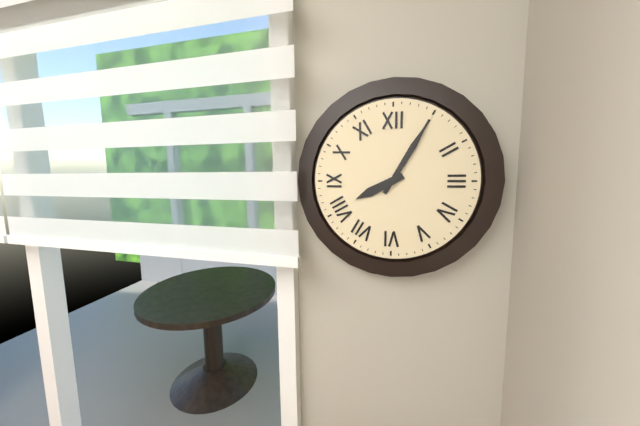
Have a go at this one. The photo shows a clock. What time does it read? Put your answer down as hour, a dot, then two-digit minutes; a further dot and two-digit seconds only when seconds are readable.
8.05
